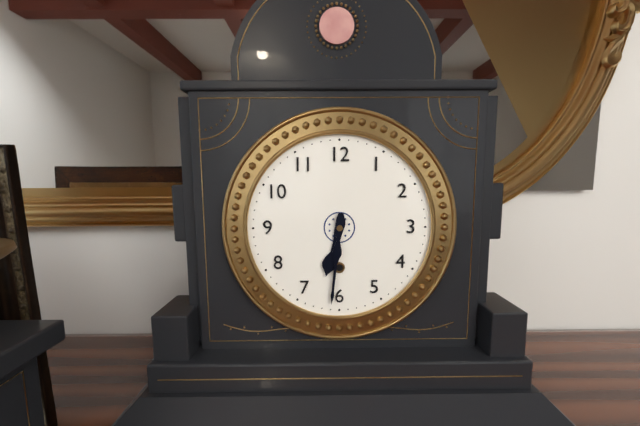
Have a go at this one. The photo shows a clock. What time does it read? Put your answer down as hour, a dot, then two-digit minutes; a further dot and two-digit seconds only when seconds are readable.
6.31
